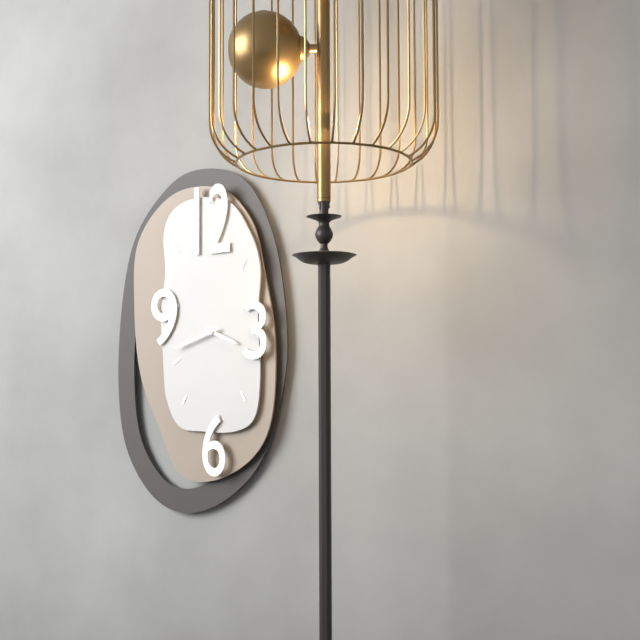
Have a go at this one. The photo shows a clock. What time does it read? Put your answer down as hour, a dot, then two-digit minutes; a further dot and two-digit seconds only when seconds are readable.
3.42
